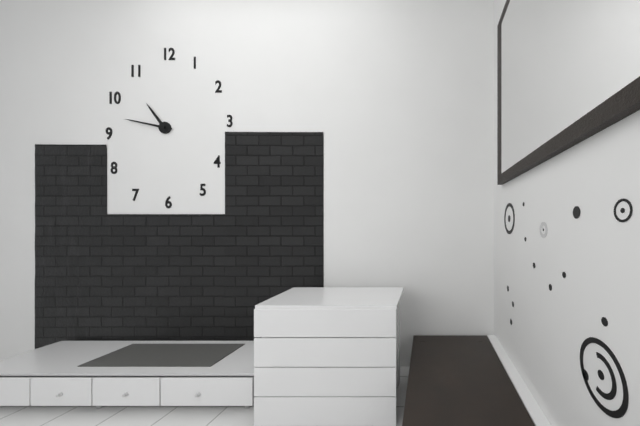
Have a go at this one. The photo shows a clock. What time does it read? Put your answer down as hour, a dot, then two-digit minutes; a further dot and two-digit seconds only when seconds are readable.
10.47
